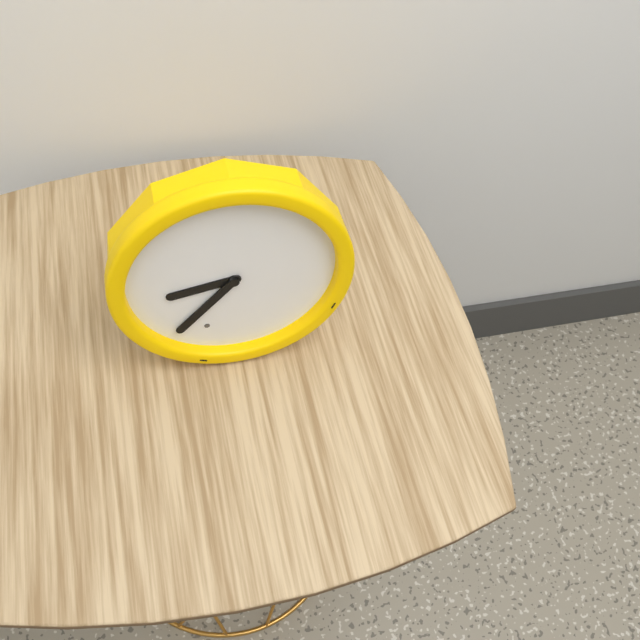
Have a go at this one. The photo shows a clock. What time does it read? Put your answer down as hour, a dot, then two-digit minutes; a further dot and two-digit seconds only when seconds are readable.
8.37
